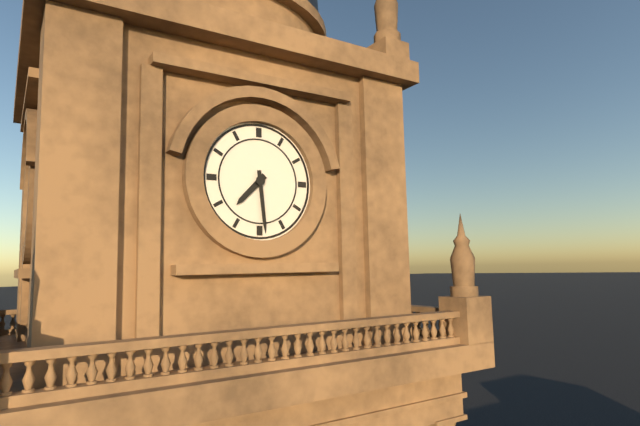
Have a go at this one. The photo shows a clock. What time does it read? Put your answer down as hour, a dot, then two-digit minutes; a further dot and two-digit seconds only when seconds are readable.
7.29
